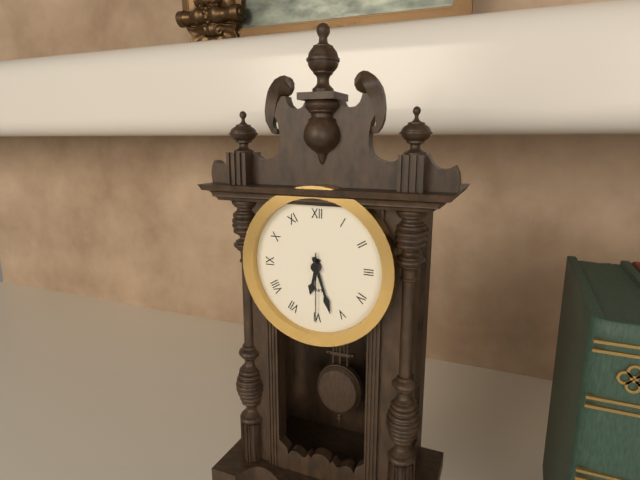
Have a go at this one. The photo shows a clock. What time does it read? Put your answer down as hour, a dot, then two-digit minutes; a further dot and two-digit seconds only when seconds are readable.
6.27.30
